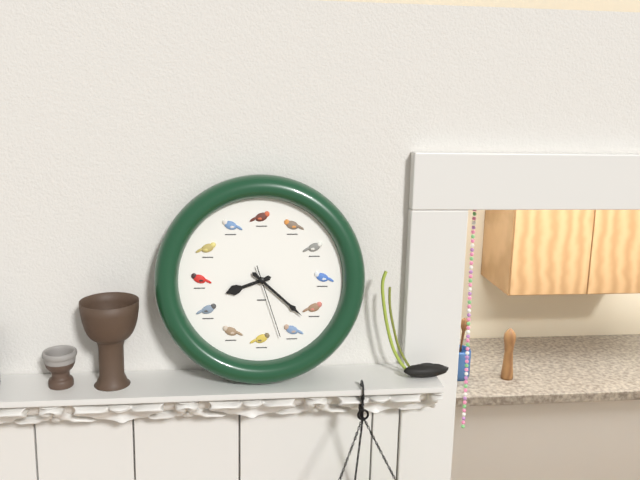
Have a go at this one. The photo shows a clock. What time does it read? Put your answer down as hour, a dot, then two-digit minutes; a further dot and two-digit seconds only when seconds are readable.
8.22.27
